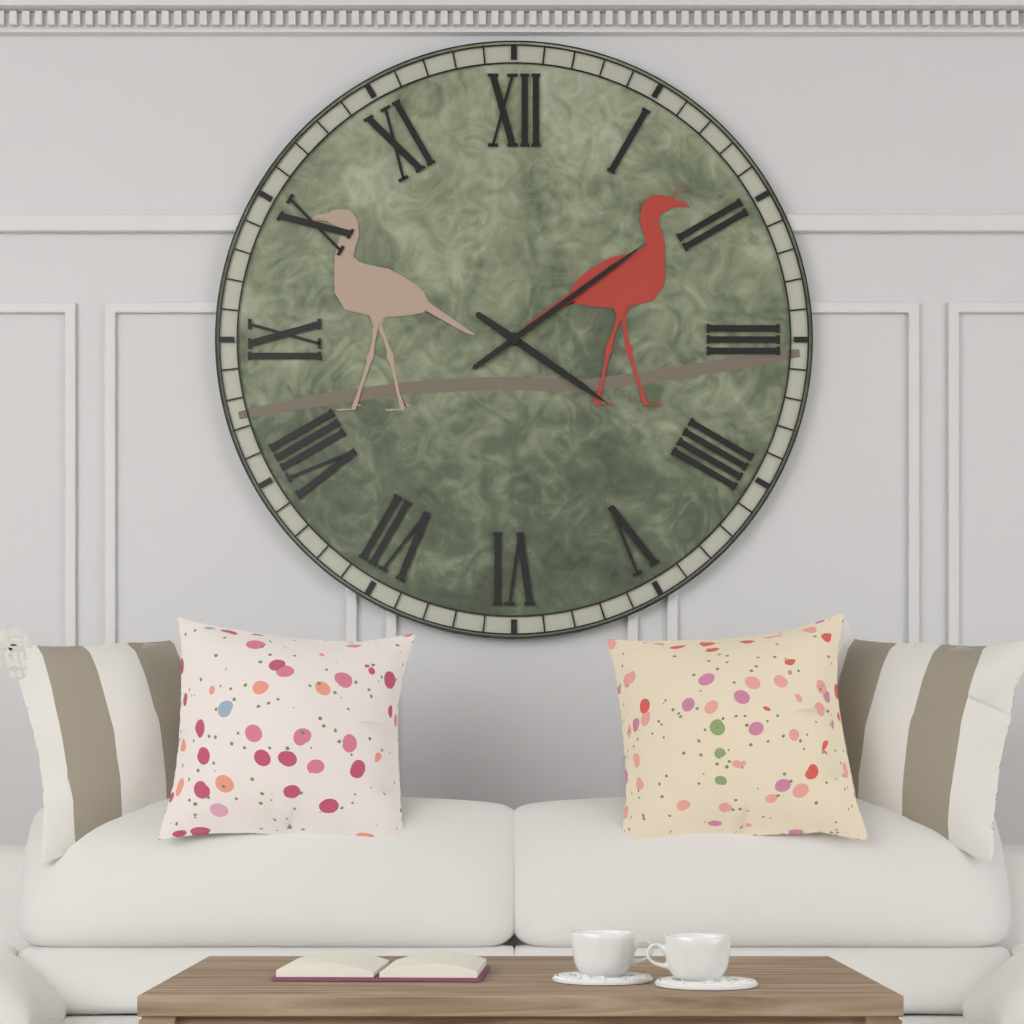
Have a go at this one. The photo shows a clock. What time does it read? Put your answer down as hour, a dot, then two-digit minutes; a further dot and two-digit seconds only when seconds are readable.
4.09
